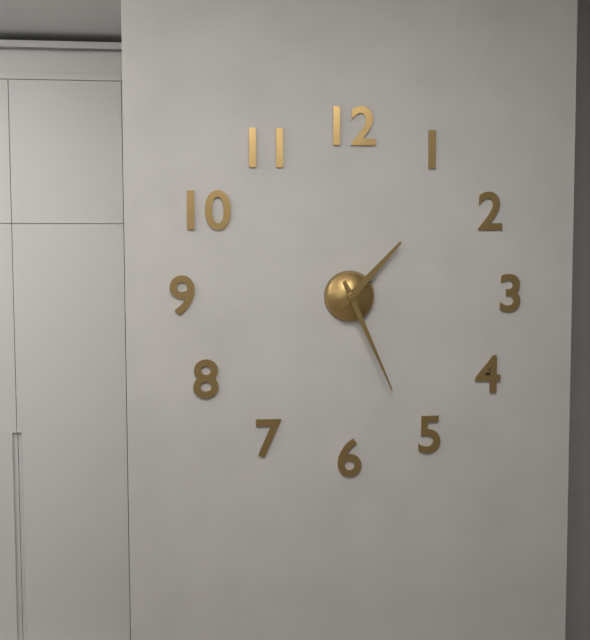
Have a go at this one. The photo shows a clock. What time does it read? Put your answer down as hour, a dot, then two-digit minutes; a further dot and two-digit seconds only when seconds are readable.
1.26
